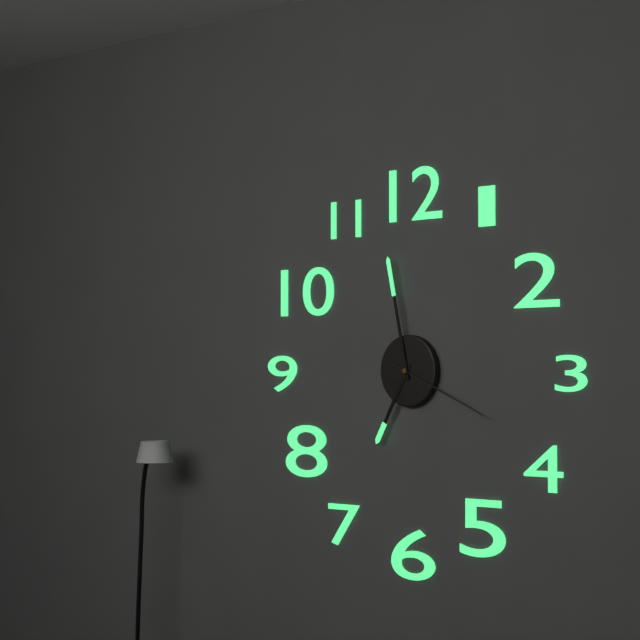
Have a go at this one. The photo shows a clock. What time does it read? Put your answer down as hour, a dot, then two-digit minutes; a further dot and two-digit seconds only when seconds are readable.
6.58.19
